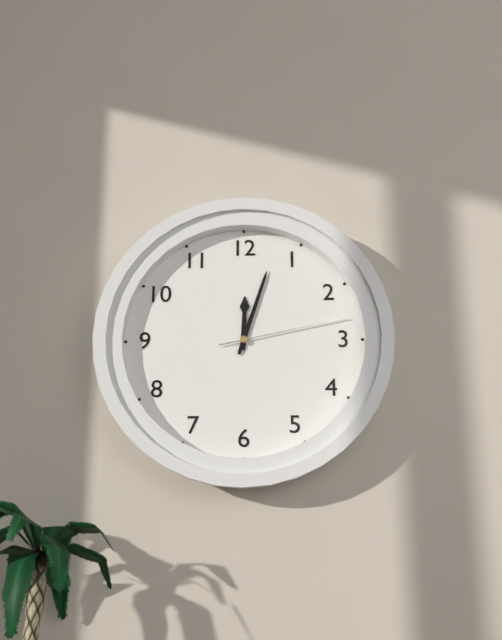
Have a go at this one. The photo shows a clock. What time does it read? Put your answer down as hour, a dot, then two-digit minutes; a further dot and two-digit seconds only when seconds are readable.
12.03.13
